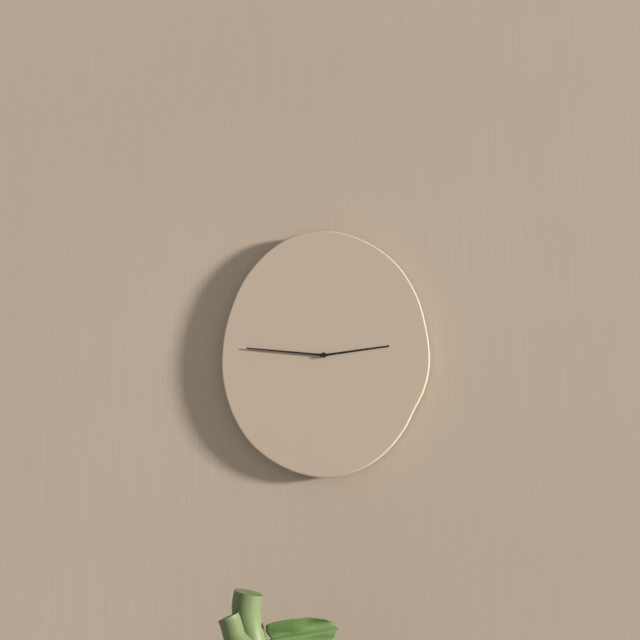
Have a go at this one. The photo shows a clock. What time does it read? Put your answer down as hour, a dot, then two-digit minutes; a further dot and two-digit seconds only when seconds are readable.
2.46
